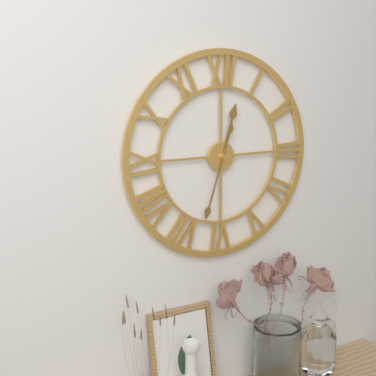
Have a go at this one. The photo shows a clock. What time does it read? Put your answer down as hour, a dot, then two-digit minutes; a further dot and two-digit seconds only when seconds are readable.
12.33
